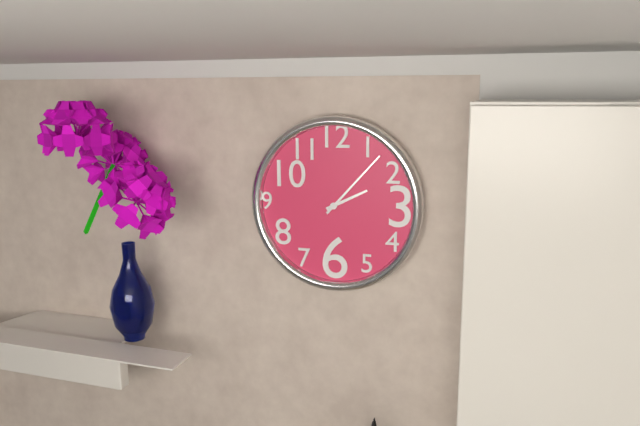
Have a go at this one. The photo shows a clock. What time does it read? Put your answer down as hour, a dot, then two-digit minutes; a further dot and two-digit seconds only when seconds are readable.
2.07
